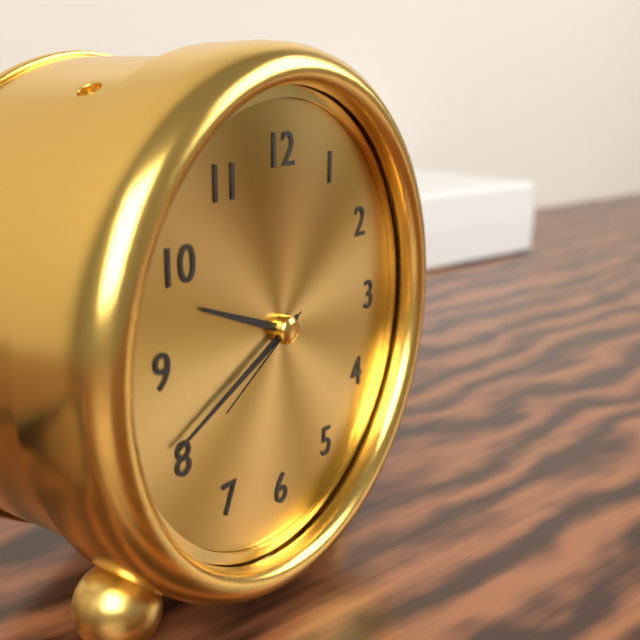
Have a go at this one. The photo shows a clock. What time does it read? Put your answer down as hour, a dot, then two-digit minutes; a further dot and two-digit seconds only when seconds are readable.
9.41.40
